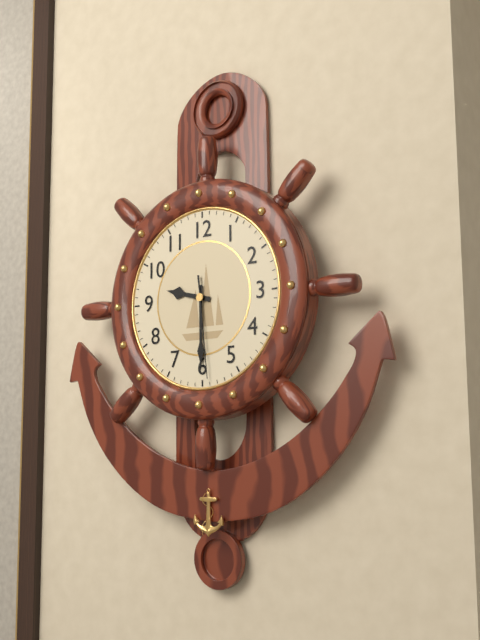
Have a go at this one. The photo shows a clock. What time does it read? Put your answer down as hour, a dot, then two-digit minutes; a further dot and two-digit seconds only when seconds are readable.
9.30.29
